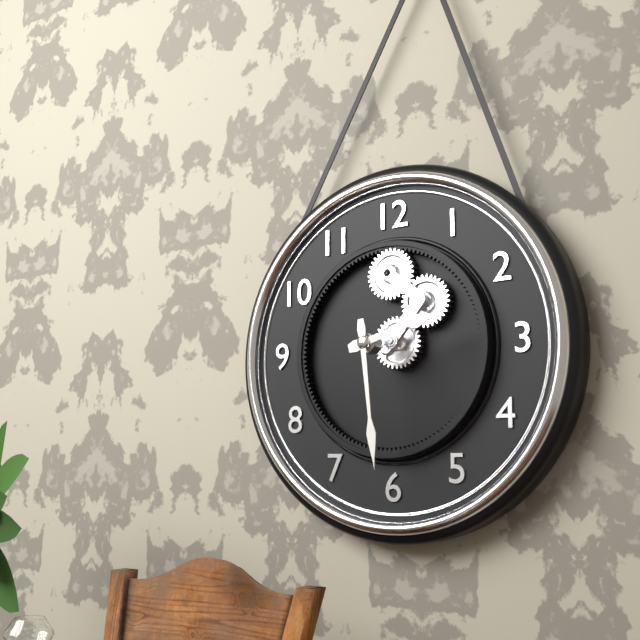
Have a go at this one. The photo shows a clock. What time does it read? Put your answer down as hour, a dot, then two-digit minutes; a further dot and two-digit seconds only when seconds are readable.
2.29
